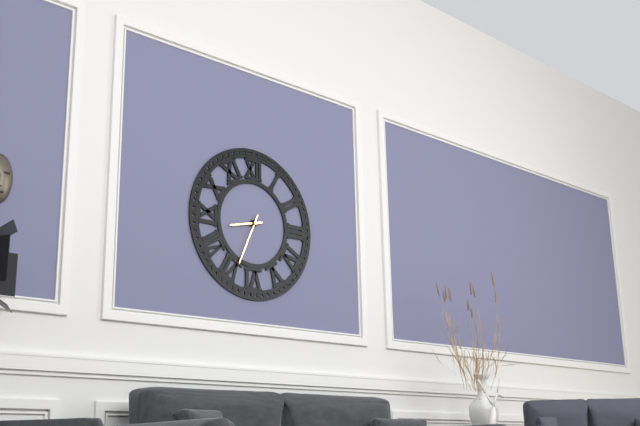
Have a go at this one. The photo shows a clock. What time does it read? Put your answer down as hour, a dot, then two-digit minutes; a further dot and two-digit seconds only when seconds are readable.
8.34
